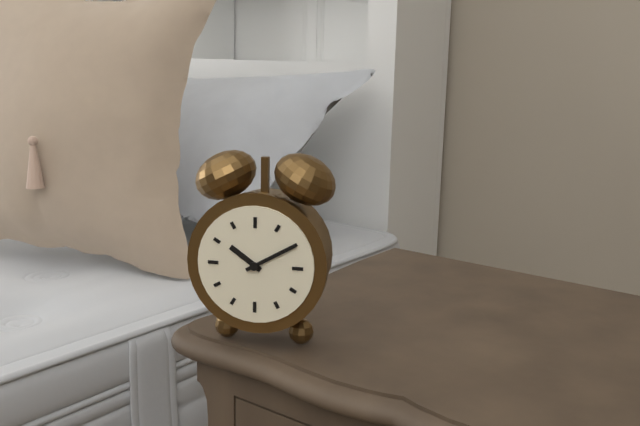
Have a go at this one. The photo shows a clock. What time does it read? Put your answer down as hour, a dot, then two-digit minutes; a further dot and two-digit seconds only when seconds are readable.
10.10
